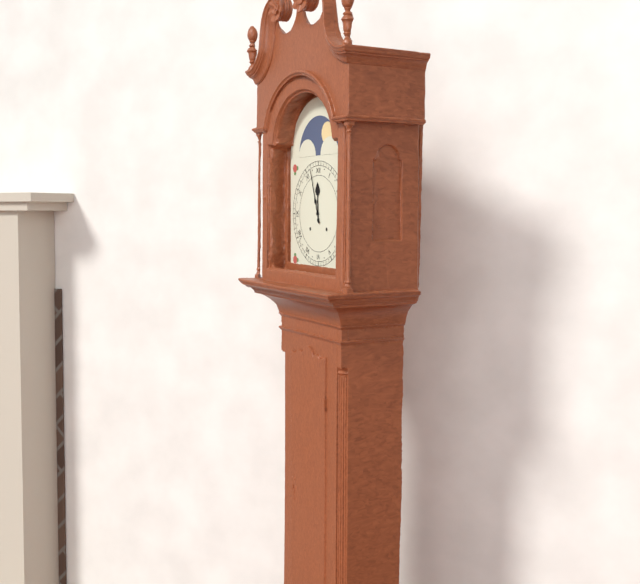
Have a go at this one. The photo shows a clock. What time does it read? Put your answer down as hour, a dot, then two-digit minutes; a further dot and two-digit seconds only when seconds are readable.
11.57
